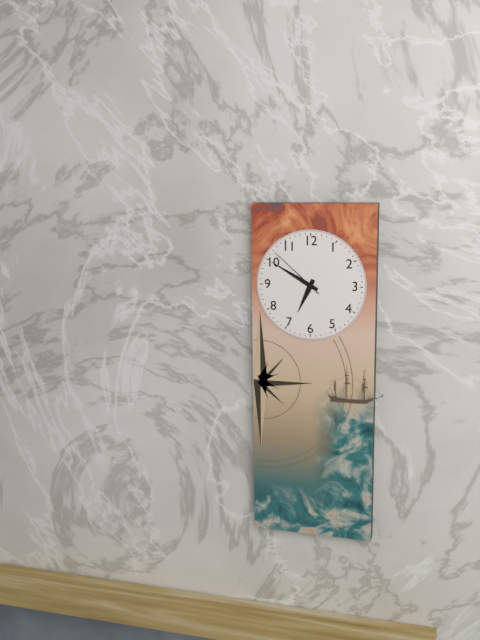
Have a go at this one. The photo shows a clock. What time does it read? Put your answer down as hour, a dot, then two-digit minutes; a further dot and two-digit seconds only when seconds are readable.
6.50.52
